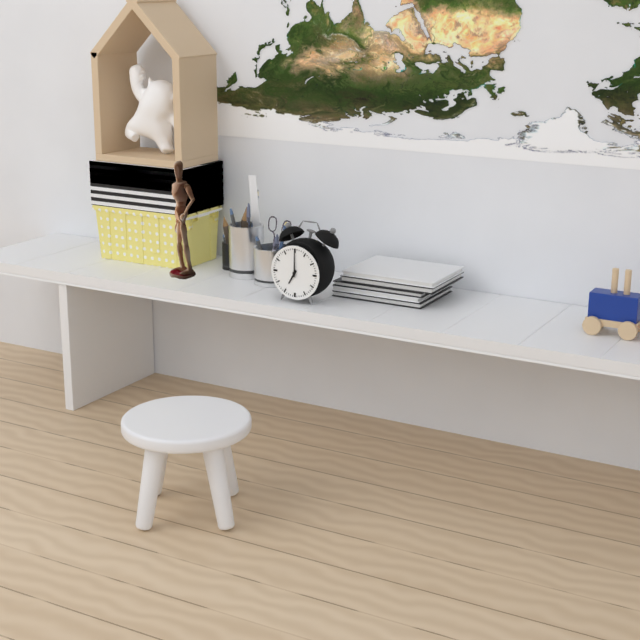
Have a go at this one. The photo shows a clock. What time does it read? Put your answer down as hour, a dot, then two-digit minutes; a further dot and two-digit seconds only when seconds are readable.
7.00
